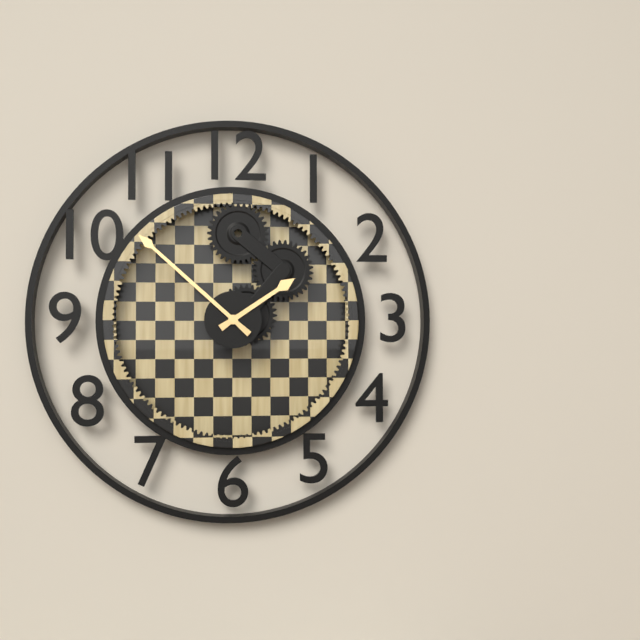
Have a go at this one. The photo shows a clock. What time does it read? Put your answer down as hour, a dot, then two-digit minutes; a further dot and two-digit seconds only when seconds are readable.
1.52
